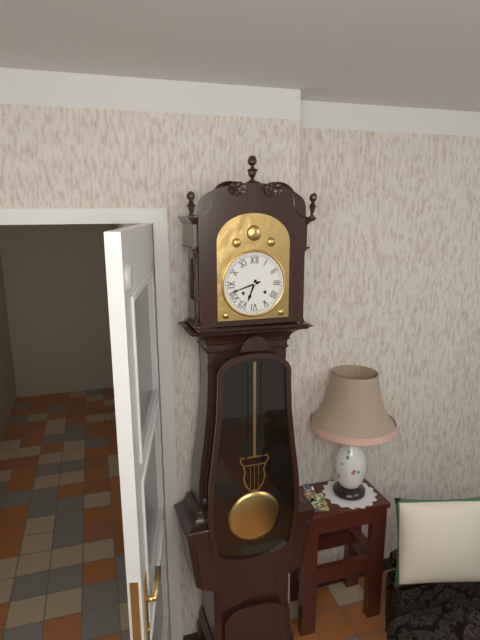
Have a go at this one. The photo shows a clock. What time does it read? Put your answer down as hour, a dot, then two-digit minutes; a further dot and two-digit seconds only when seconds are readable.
6.42
